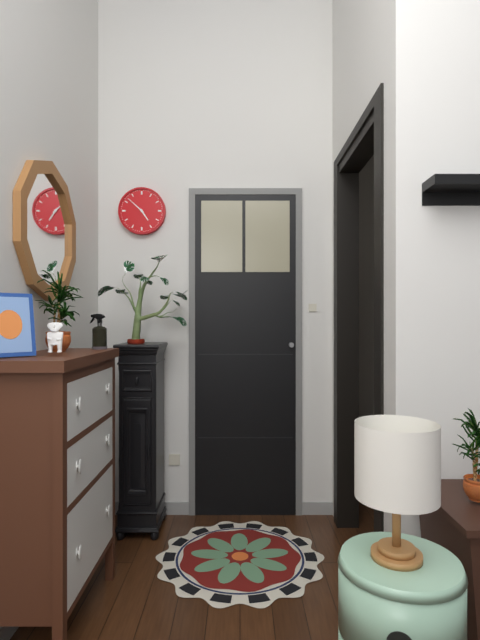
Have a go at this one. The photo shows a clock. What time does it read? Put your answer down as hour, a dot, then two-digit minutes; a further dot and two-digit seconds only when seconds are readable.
4.52
